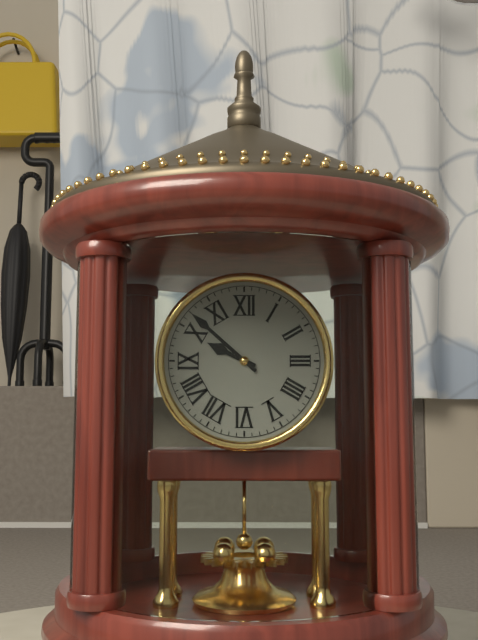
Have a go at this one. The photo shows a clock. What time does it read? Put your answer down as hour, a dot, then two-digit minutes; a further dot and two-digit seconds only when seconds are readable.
9.52
